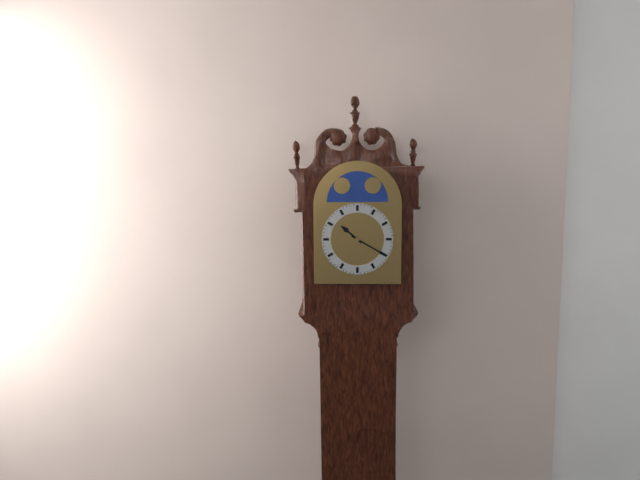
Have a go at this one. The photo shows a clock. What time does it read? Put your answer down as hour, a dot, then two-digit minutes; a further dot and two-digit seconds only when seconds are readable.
10.20
